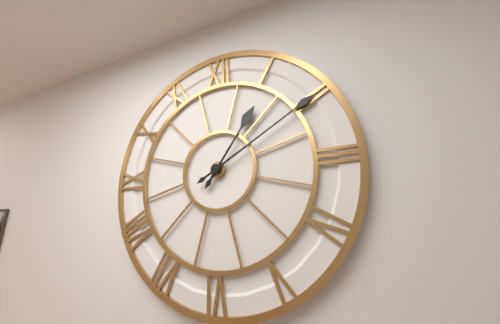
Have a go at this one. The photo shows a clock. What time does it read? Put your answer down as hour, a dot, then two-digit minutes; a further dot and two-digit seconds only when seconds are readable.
1.10
